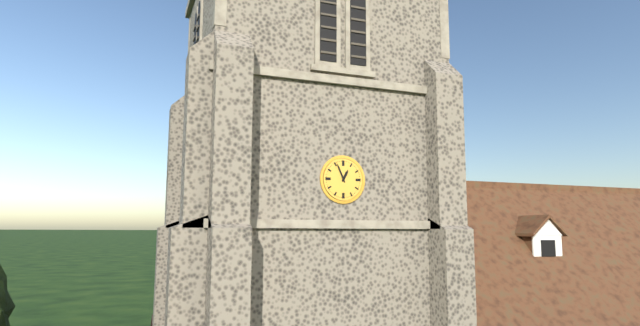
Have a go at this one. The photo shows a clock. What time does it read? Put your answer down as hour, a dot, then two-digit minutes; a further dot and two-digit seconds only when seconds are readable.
12.56
